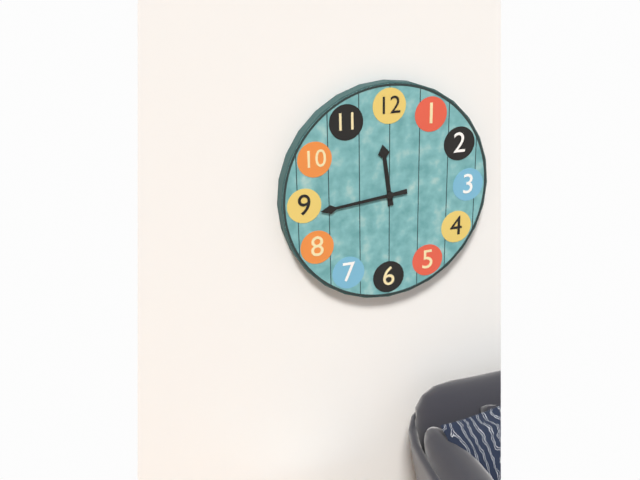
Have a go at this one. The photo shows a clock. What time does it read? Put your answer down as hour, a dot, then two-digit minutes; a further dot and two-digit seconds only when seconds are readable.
11.44
